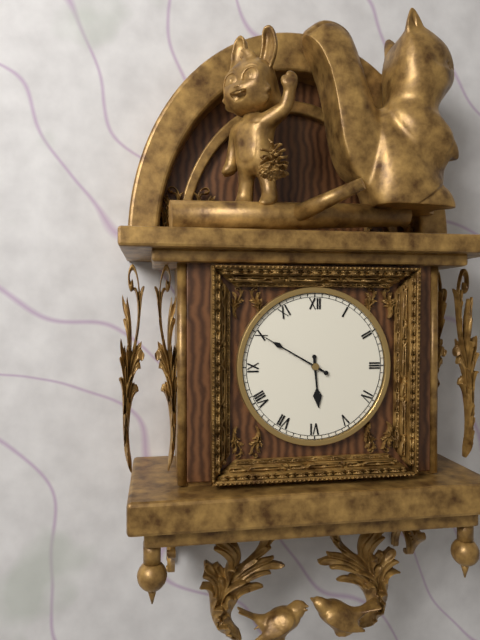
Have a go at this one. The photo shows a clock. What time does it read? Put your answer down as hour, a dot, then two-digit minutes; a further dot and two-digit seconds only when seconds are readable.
5.50
